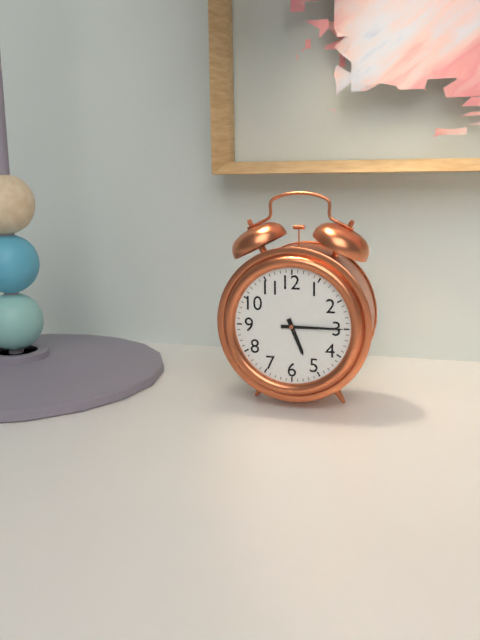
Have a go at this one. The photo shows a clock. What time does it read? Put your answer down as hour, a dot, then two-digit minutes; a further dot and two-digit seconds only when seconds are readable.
5.15
